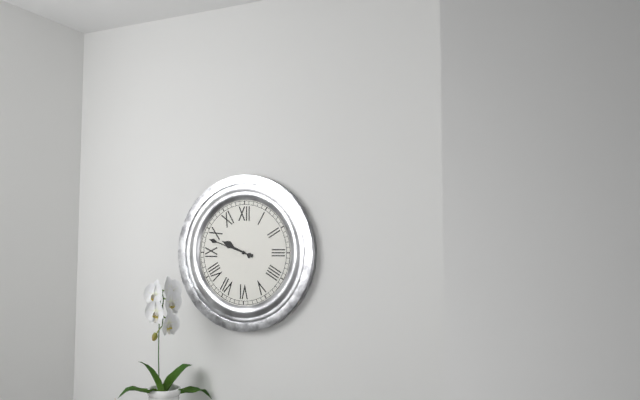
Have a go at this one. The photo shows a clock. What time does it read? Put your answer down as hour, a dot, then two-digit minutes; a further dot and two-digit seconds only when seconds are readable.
9.48
